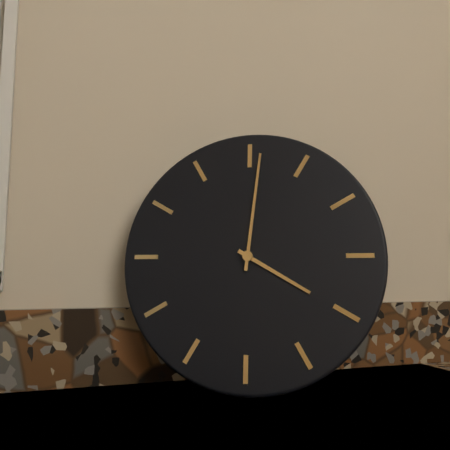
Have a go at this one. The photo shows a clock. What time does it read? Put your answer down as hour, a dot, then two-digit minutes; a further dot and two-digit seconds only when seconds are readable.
4.01
